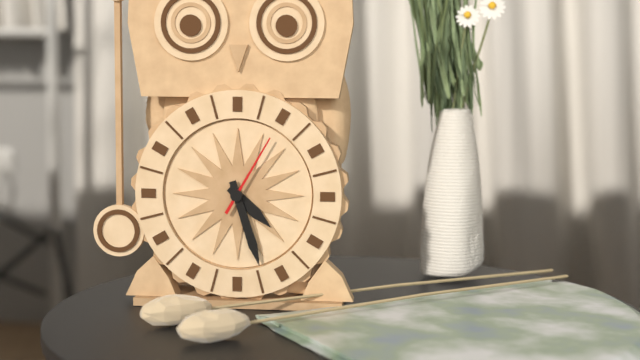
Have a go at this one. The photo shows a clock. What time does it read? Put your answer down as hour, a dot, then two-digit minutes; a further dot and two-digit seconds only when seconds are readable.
4.27.05
